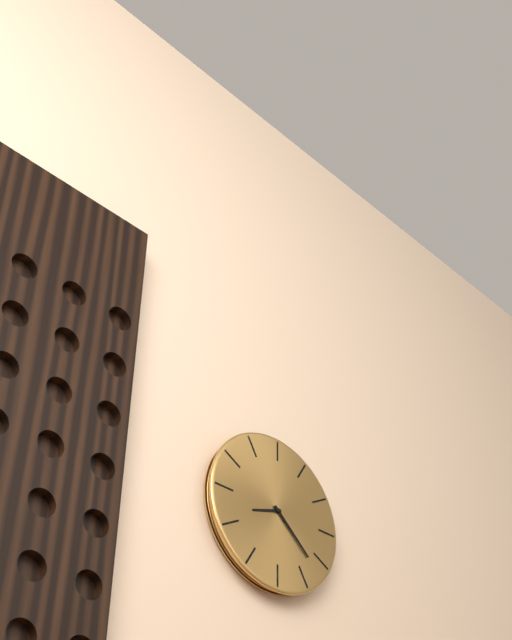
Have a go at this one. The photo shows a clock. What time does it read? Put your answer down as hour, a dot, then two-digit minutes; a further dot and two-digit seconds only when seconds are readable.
8.22
